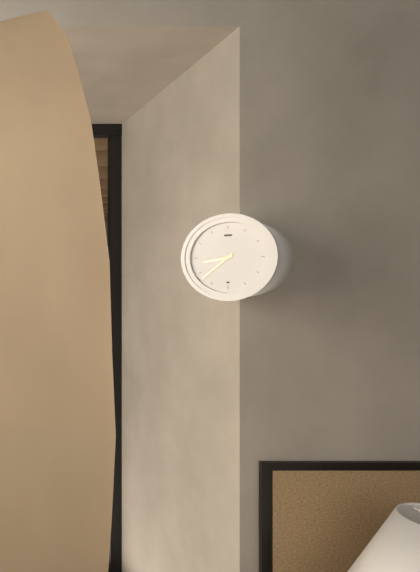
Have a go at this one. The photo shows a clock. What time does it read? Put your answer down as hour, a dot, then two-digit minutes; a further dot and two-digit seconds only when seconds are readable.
8.38
